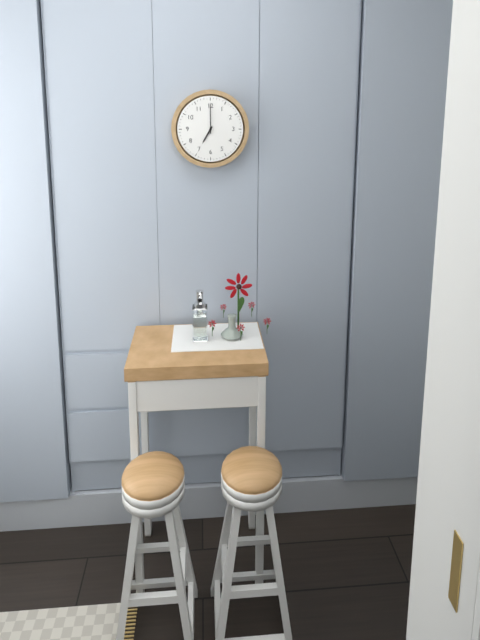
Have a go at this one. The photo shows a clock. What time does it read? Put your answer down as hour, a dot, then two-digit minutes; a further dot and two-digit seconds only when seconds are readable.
7.00
